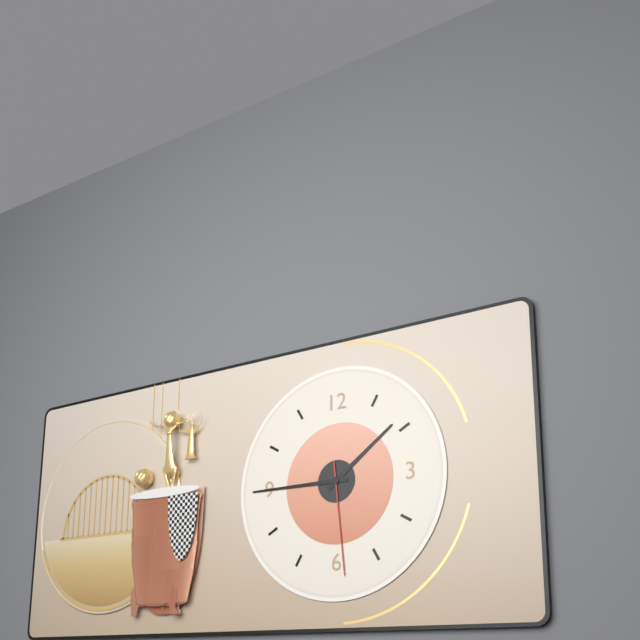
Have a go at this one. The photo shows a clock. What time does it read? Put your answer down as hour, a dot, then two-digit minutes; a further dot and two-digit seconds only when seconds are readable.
1.45.29
